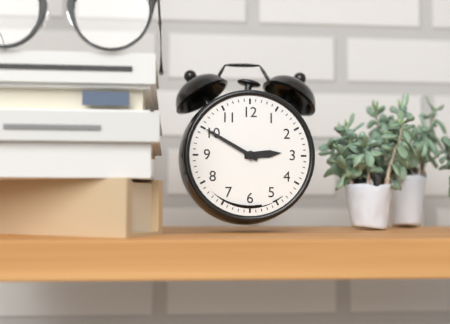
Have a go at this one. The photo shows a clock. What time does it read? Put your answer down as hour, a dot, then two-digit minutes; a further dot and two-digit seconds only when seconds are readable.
2.50
